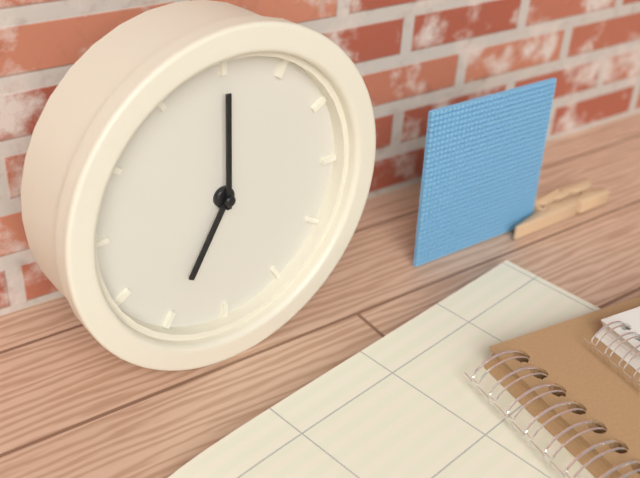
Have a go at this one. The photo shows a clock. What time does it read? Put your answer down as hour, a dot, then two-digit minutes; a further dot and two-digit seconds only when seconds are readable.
7.00
